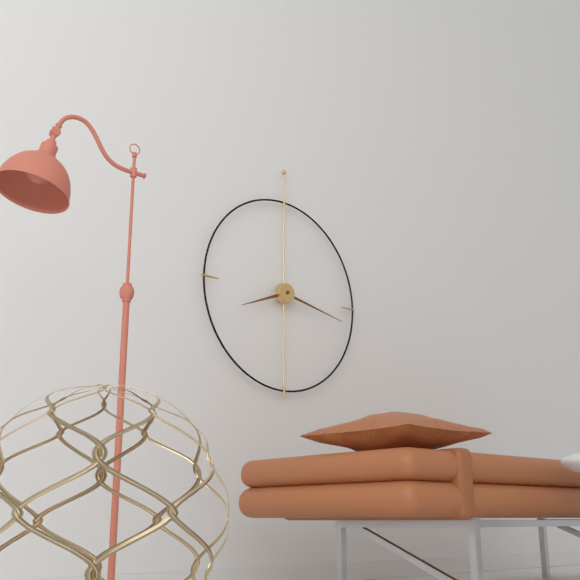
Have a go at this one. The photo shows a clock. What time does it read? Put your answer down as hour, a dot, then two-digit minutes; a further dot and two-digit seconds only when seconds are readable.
8.17
